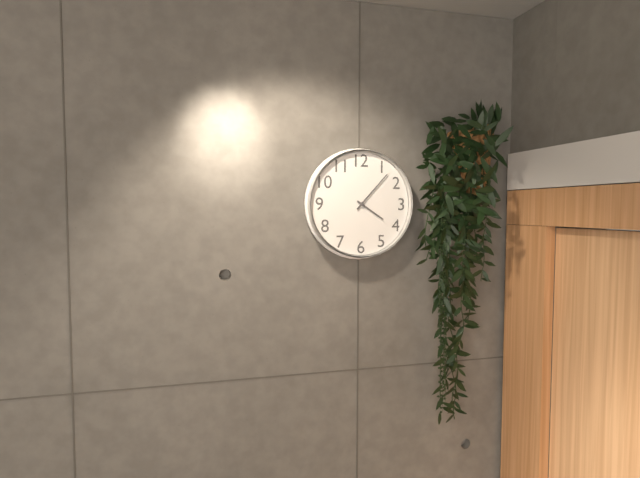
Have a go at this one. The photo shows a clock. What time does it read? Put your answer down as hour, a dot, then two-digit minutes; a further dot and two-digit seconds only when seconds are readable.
4.07
